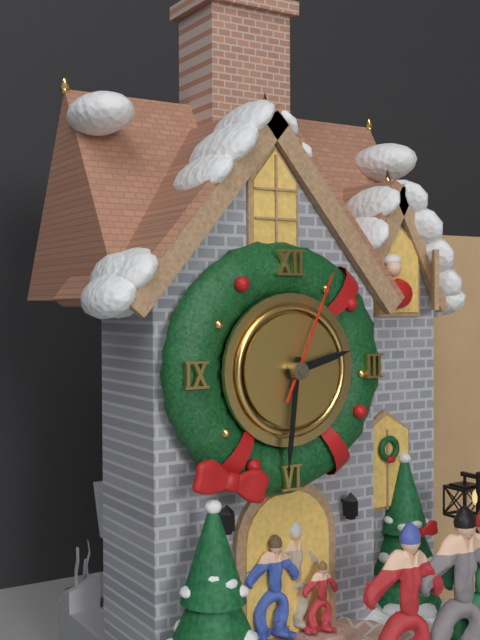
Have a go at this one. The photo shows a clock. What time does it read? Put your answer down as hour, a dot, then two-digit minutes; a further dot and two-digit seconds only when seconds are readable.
2.31.04
